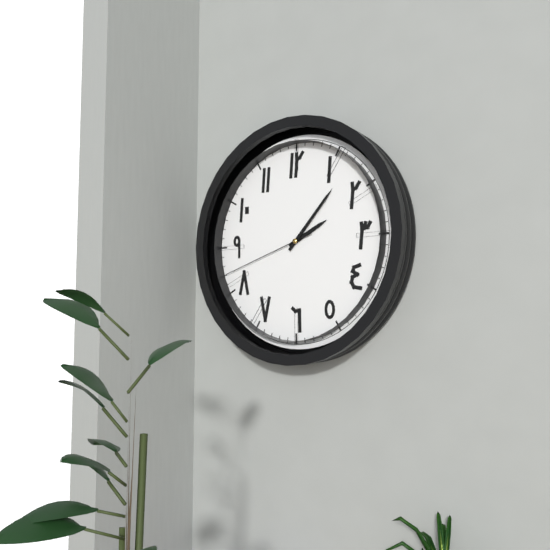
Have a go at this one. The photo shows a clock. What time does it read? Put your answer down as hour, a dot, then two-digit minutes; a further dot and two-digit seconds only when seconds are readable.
2.07.42
